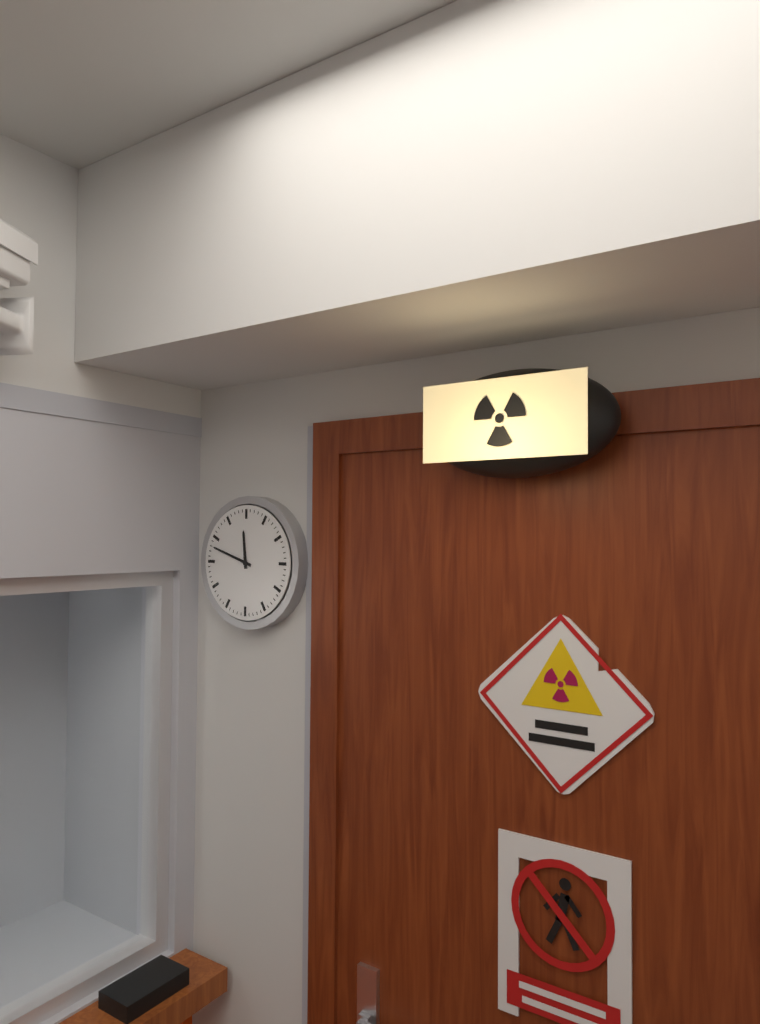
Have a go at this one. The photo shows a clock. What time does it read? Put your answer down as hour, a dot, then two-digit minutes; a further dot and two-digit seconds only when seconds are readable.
11.48
